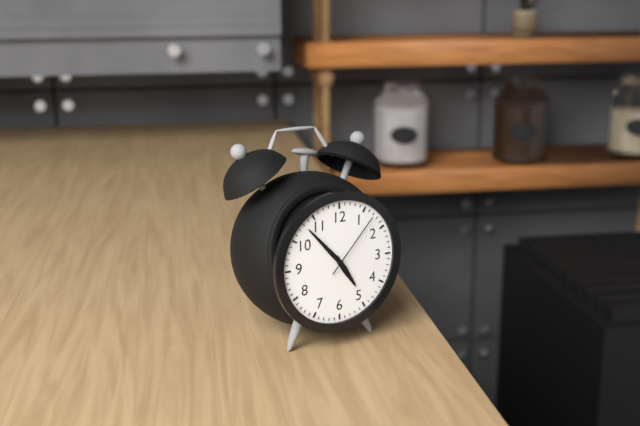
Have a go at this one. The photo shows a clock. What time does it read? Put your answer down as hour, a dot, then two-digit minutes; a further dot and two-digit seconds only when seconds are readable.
4.53.07
